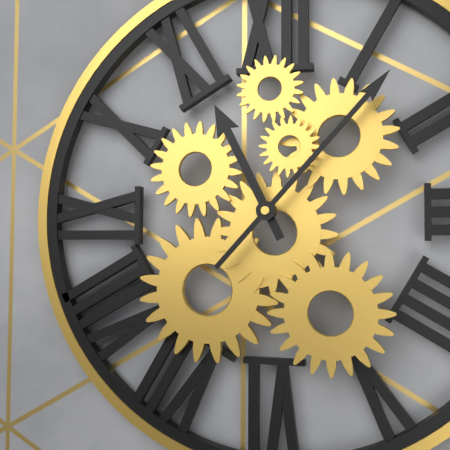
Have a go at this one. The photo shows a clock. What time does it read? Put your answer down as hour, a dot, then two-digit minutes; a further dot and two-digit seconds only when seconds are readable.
11.07
